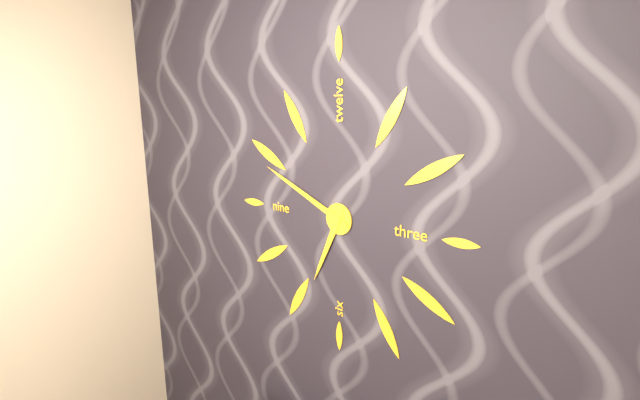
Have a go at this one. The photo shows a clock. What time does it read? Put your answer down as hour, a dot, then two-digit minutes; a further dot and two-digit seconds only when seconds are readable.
6.49
